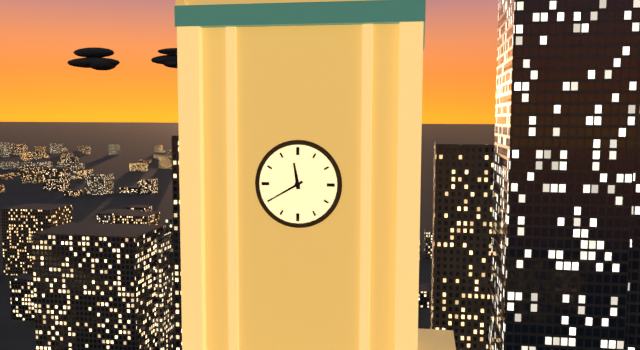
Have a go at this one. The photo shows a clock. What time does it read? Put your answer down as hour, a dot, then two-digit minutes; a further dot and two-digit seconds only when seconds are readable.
11.40
